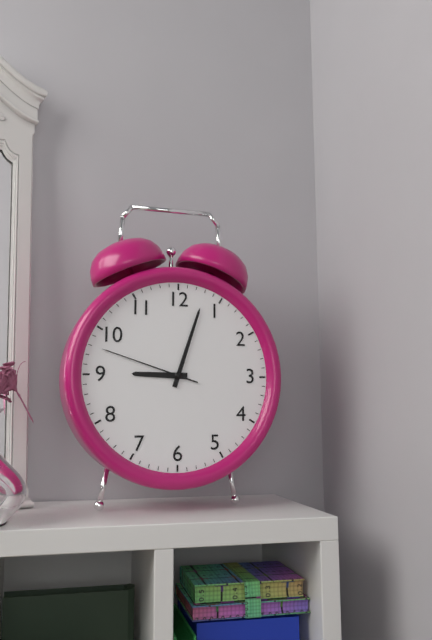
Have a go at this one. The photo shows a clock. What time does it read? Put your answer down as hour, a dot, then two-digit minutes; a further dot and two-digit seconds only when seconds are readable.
9.03.48
